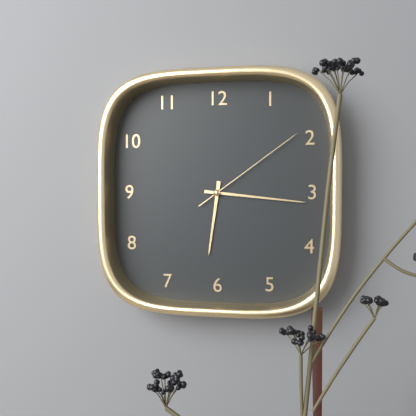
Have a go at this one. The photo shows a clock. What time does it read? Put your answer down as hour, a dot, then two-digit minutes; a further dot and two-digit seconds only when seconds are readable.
6.16.09
